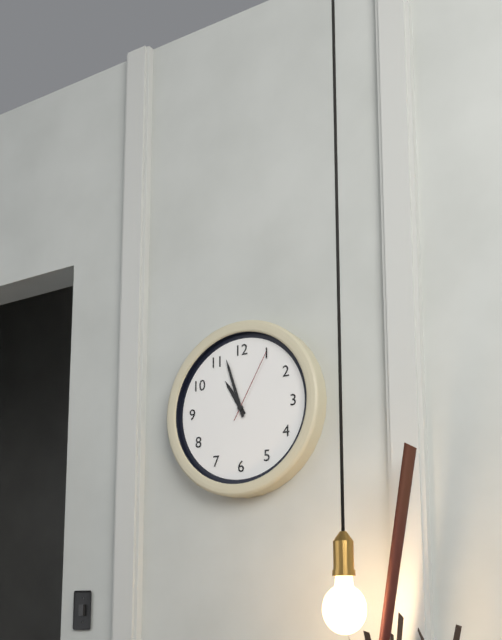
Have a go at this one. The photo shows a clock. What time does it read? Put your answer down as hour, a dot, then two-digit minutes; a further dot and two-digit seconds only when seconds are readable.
10.57.05
